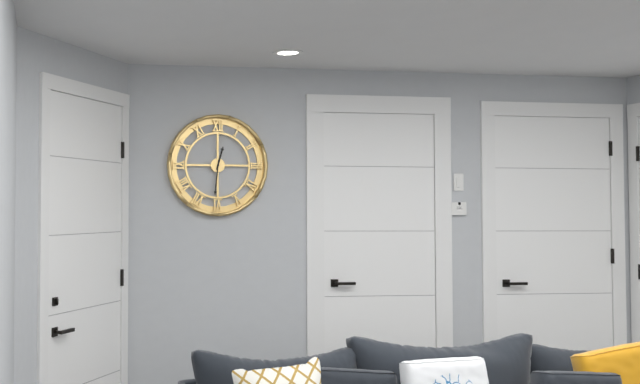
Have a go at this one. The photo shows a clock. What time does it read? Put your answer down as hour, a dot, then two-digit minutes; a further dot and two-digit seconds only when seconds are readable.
12.31
